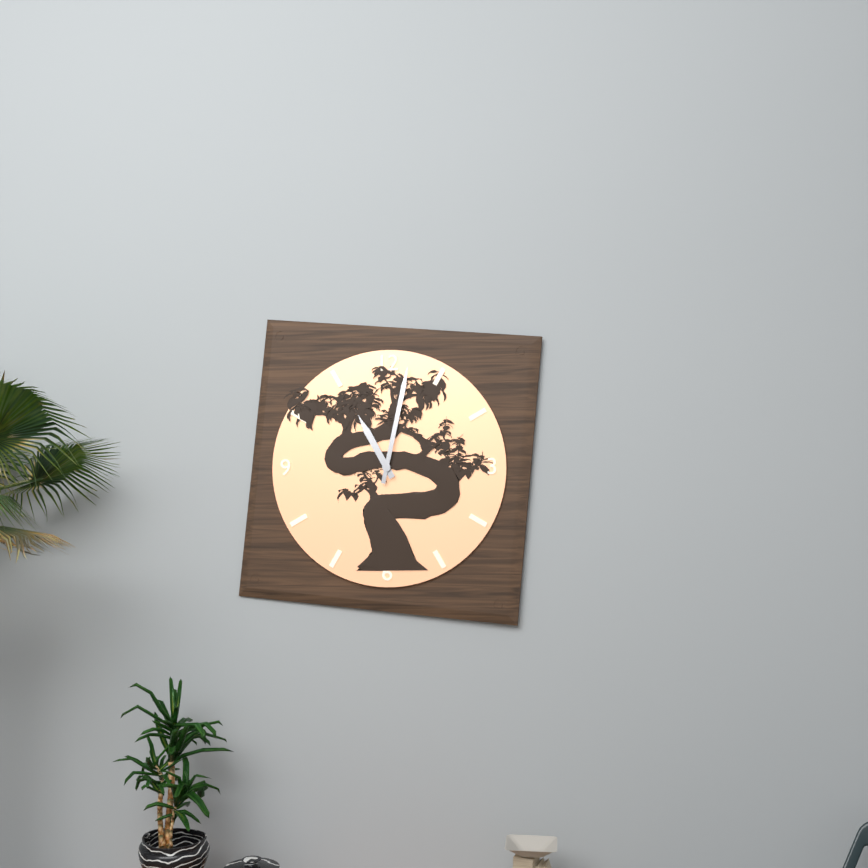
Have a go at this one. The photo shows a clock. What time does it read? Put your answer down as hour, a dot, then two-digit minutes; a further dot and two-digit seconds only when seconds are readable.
11.02
